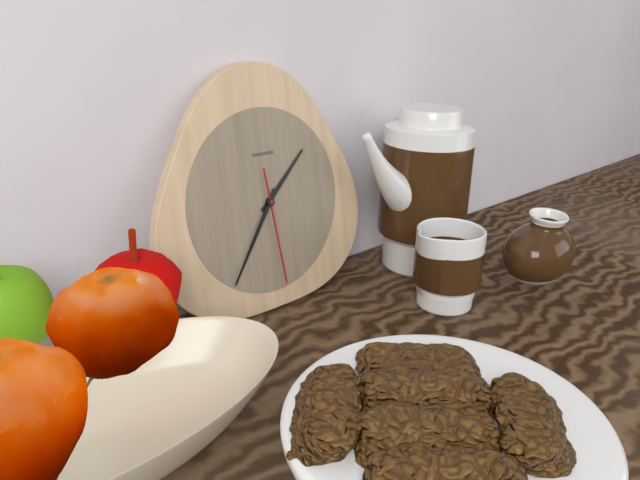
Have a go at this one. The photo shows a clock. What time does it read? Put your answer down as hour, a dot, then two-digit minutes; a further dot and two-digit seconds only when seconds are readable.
1.36.29
